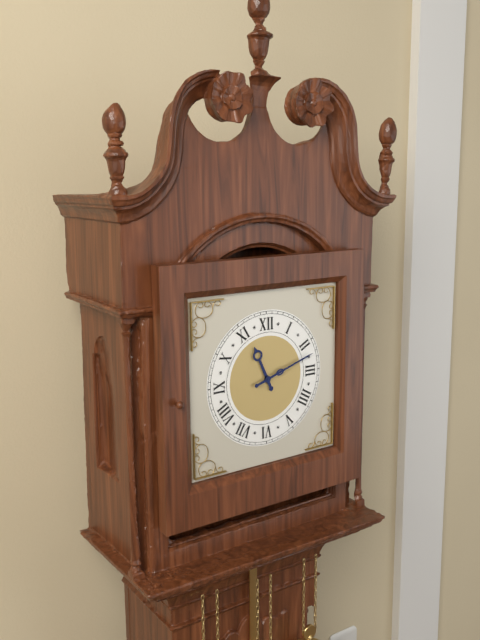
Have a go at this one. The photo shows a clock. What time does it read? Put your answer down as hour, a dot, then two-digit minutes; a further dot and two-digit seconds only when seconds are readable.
11.12
